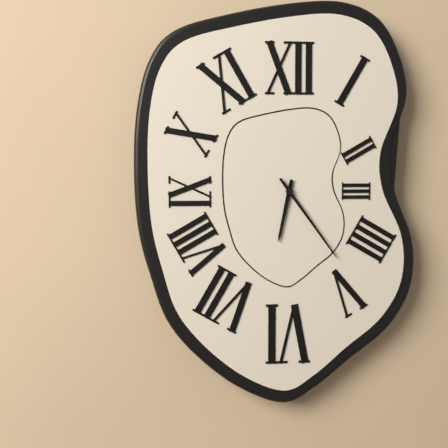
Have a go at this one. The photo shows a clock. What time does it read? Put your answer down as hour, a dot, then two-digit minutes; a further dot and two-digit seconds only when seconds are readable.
6.24
